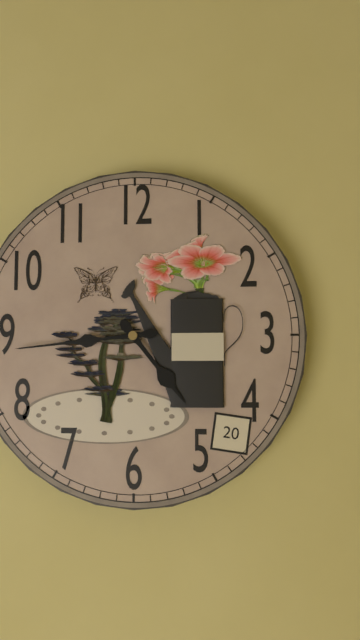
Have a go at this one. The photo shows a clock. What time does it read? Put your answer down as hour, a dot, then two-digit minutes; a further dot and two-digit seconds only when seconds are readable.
4.44
